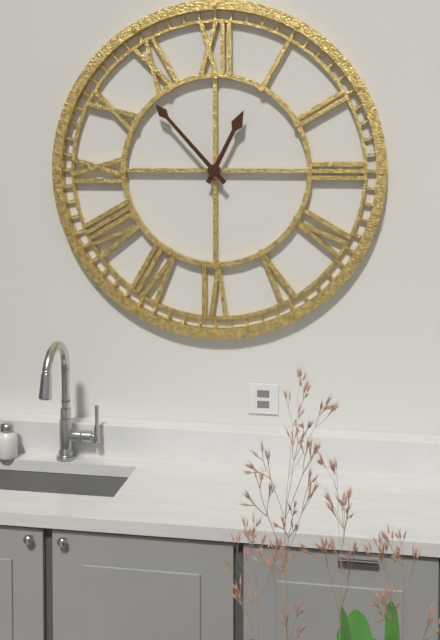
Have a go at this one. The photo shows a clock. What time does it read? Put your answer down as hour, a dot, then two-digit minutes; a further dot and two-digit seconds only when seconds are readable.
12.53
